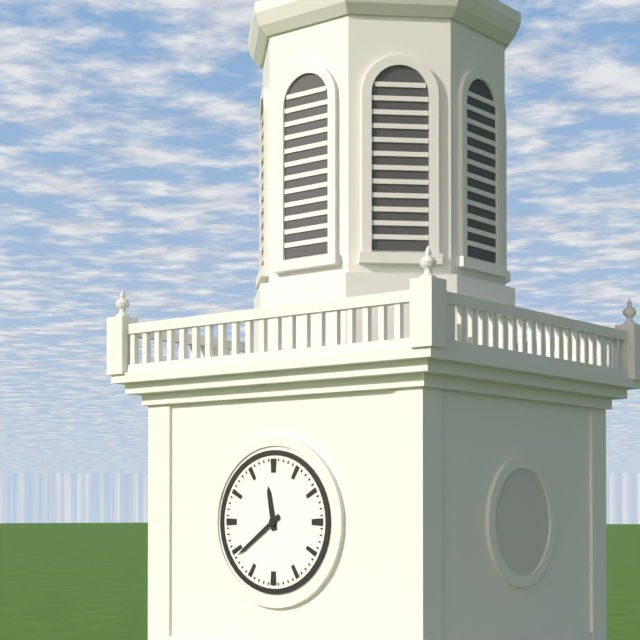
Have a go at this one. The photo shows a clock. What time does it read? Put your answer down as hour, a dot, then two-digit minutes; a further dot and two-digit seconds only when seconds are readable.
11.39
